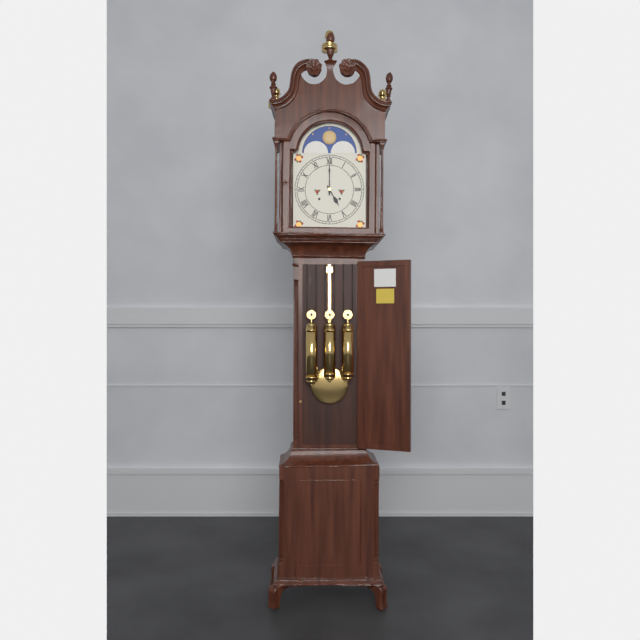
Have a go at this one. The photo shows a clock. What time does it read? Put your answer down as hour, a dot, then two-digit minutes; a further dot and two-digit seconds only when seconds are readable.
5.00
